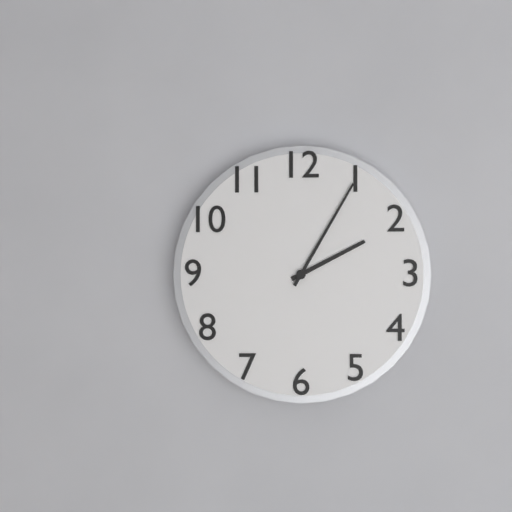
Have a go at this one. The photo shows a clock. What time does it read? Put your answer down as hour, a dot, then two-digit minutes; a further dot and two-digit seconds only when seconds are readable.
2.05
